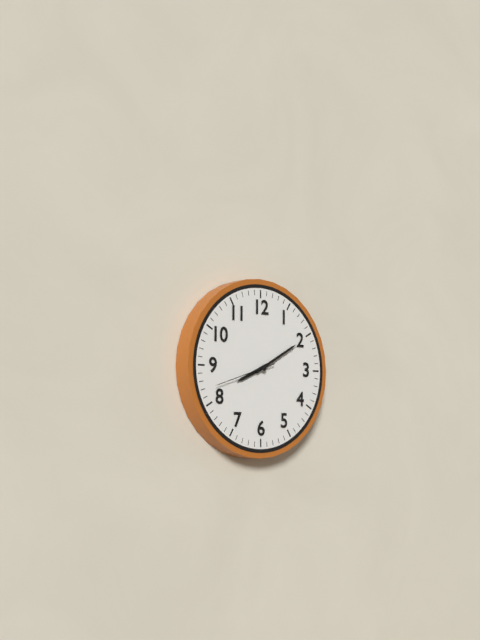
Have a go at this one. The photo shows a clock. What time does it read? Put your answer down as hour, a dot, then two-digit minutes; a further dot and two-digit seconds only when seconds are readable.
8.10.42
